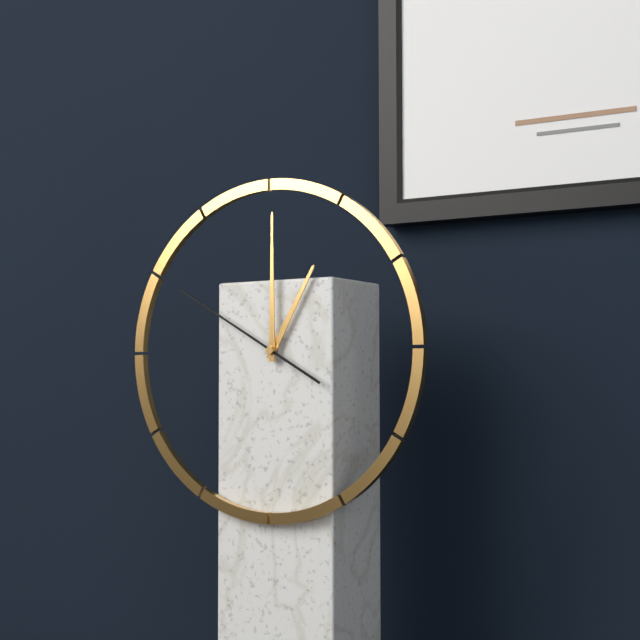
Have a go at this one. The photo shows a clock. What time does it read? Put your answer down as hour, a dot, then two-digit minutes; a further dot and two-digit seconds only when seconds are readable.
1.00.50
